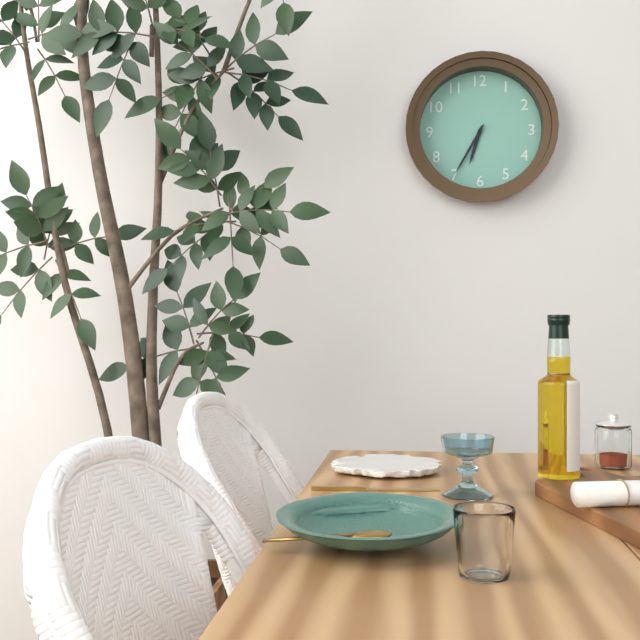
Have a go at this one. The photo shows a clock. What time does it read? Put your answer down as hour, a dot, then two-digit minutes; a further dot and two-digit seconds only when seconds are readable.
6.35
